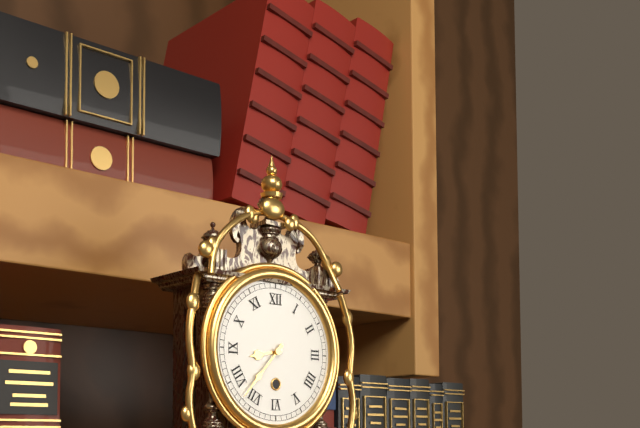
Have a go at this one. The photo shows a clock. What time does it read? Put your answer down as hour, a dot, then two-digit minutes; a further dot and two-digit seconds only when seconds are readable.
8.37
